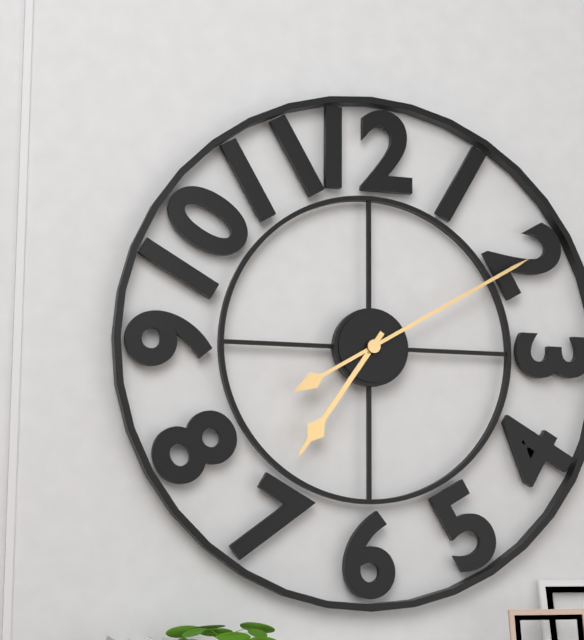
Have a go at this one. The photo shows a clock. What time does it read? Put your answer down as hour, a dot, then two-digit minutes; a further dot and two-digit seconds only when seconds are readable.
7.10
